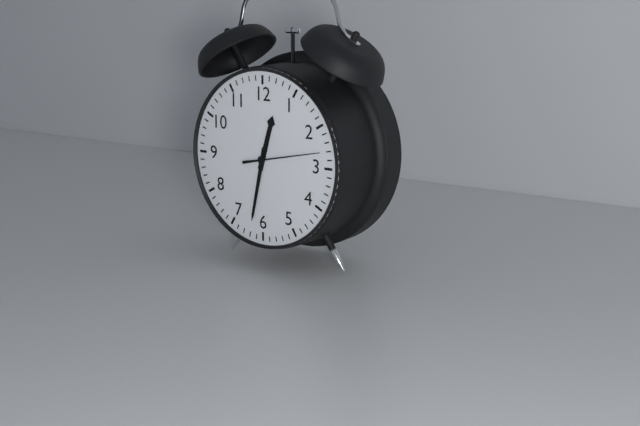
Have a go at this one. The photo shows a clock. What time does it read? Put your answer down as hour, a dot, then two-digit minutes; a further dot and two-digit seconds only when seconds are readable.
12.32.13
